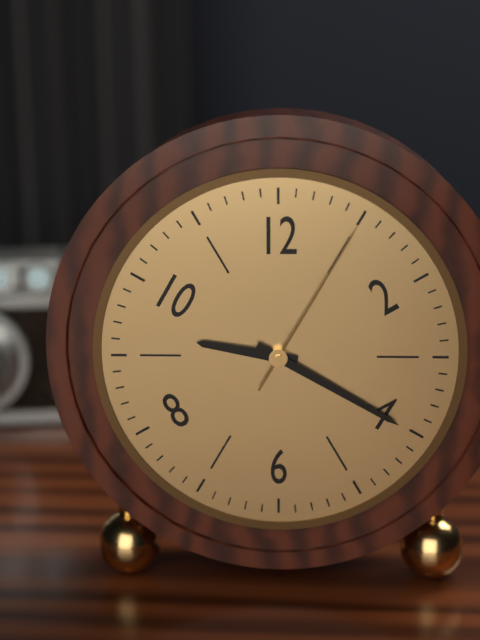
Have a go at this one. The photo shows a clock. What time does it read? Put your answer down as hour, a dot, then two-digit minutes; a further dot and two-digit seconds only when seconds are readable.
9.20.05
